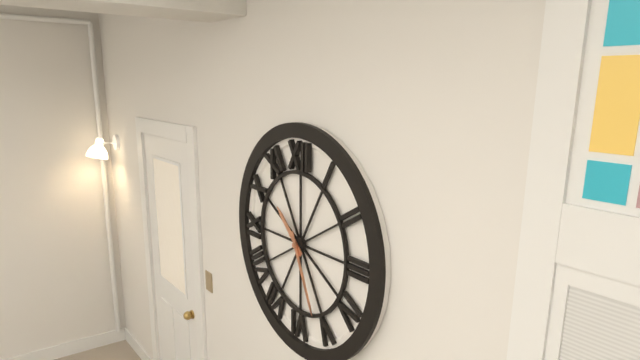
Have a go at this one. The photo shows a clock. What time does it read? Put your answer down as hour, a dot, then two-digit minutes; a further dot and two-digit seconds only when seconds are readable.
10.26
